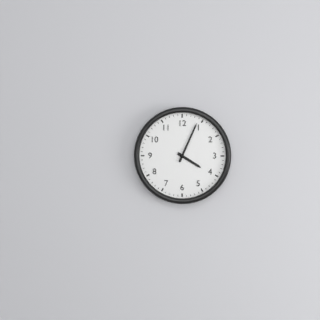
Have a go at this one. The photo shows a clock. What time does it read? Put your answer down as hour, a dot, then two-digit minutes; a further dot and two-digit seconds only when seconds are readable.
4.04
